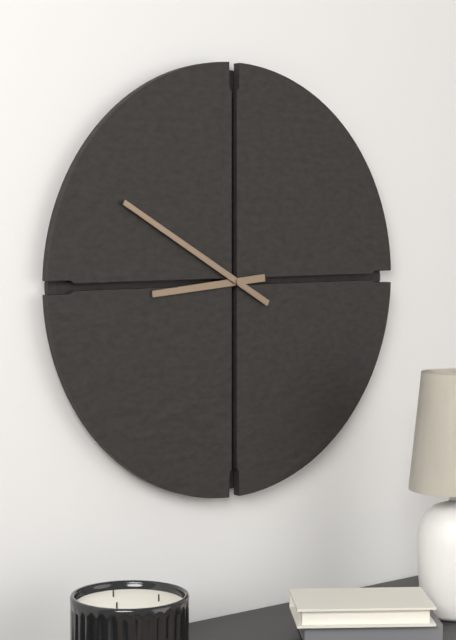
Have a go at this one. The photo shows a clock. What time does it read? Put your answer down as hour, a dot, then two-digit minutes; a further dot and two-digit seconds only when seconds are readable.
8.50
